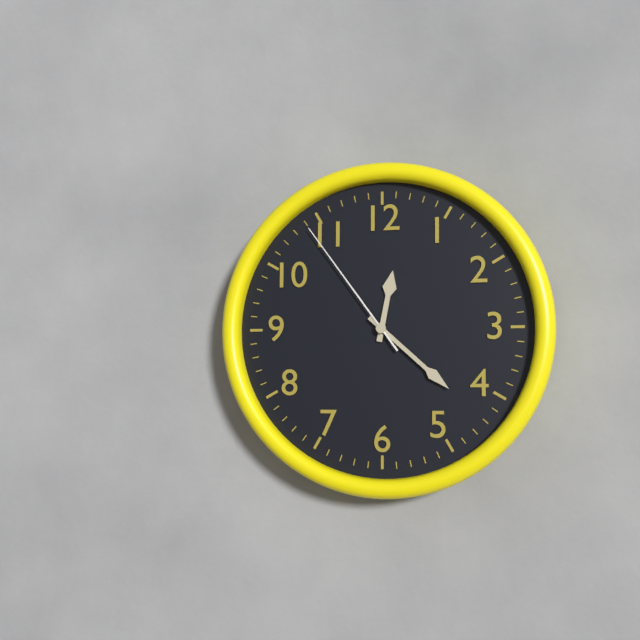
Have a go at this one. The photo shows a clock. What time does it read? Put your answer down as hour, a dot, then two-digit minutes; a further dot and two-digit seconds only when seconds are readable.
12.22.54
